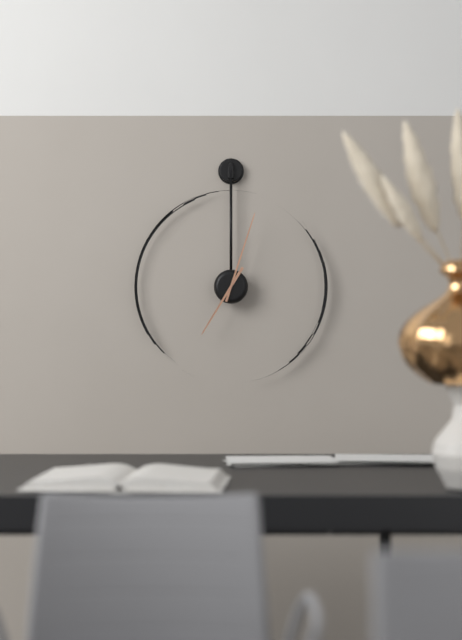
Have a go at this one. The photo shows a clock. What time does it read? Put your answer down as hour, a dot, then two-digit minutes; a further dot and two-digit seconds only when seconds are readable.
7.03
